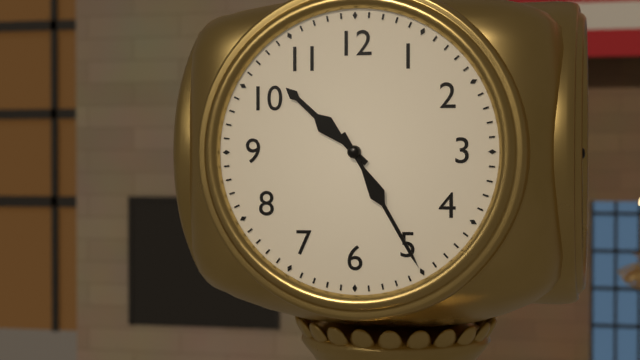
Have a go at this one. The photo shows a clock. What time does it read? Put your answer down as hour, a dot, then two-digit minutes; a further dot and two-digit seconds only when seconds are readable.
10.25
